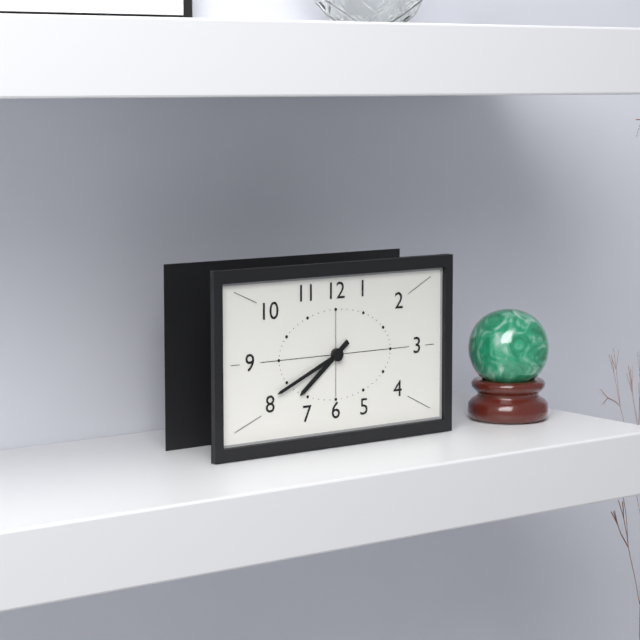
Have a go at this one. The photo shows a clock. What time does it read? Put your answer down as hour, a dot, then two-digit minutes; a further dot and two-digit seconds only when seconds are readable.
7.41
